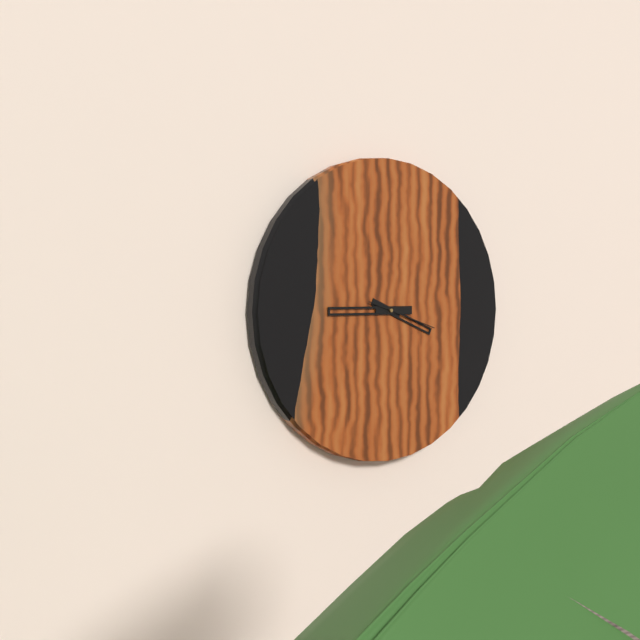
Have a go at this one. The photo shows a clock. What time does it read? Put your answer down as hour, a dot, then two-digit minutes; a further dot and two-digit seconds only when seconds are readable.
3.45.18
